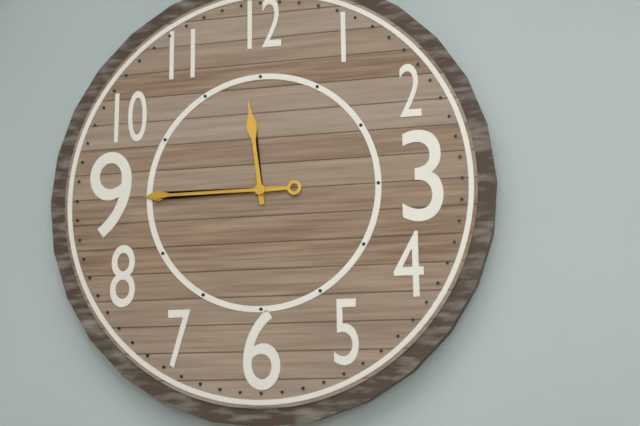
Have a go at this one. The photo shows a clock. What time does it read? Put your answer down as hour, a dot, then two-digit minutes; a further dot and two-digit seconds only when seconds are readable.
11.45
